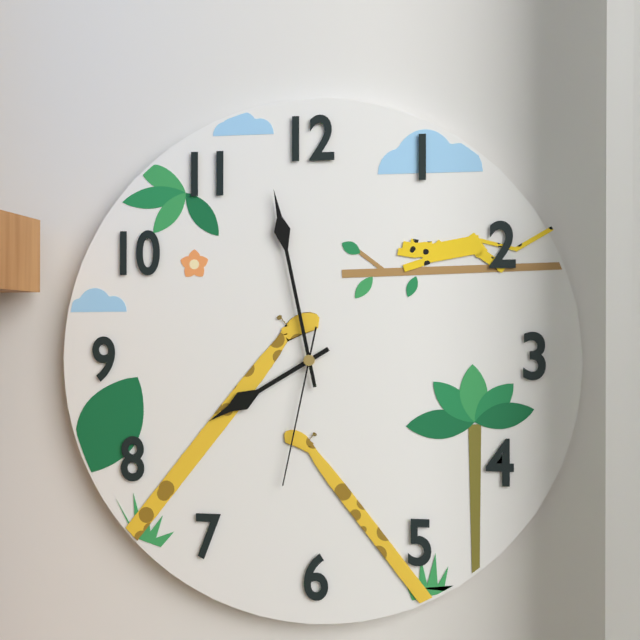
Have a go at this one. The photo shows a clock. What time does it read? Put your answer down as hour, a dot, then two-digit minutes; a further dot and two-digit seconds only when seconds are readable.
7.58.32
